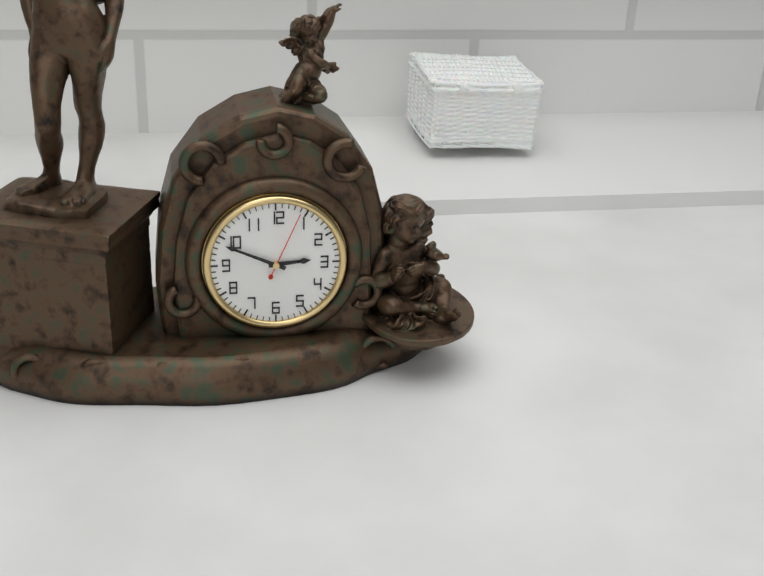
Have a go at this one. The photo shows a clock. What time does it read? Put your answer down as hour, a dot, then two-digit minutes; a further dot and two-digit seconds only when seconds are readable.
2.49.04
